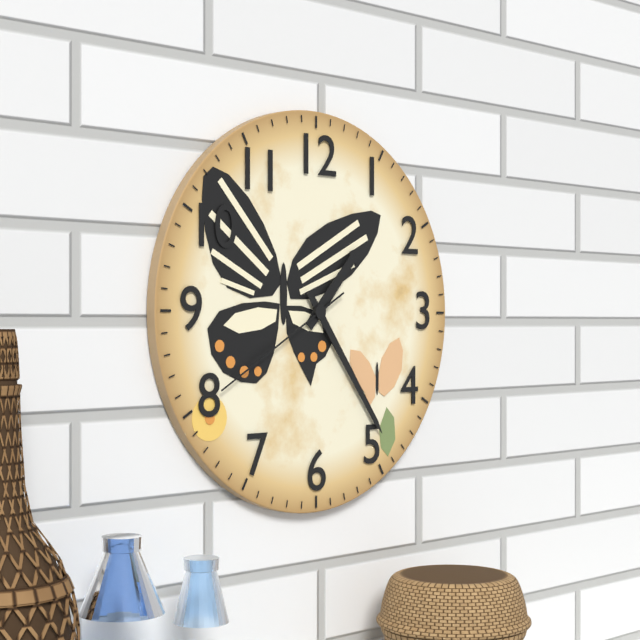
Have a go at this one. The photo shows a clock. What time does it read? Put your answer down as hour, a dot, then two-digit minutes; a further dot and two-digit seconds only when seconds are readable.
1.24.40
